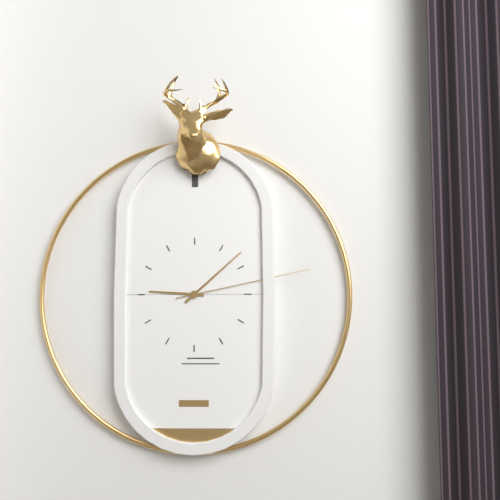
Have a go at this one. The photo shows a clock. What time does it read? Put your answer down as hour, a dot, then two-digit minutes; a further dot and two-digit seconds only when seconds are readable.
9.08.13
